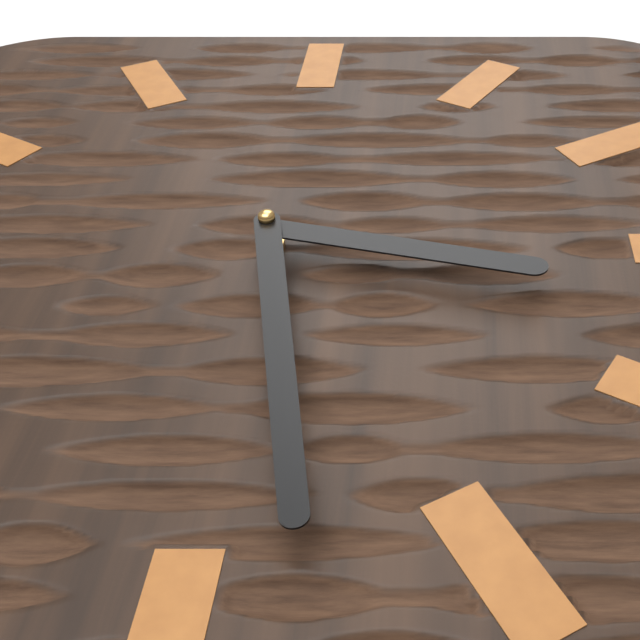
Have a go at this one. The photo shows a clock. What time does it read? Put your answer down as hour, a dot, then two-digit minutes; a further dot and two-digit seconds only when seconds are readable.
3.28
